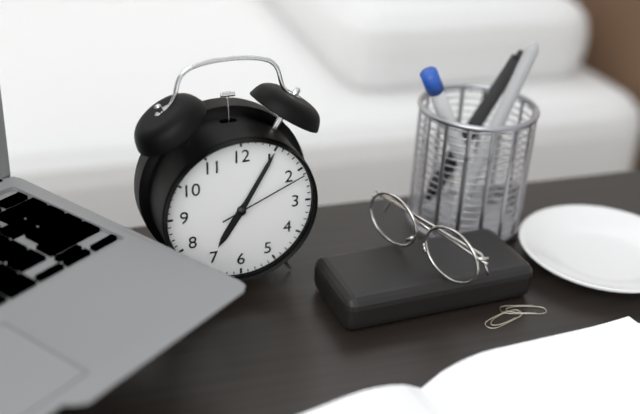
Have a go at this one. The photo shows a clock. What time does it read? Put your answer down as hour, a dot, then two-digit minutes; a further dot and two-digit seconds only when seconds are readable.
7.05.11
